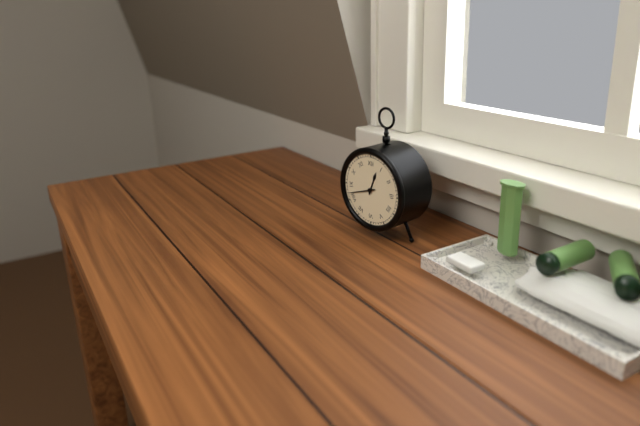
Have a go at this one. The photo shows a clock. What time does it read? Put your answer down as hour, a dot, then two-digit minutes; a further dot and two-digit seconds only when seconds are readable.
12.42
